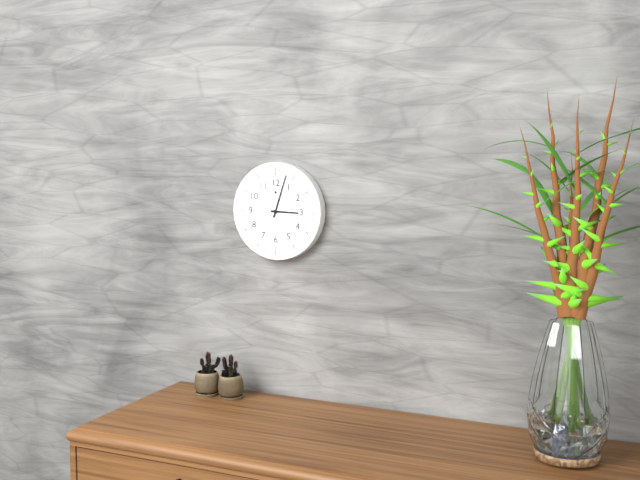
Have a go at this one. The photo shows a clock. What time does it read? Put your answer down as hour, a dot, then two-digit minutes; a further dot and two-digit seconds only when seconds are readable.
3.03
